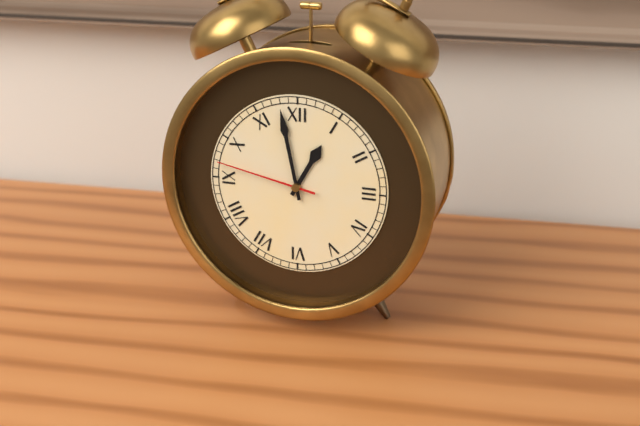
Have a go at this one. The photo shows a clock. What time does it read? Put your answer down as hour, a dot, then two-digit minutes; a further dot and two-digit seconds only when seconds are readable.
12.58.47
